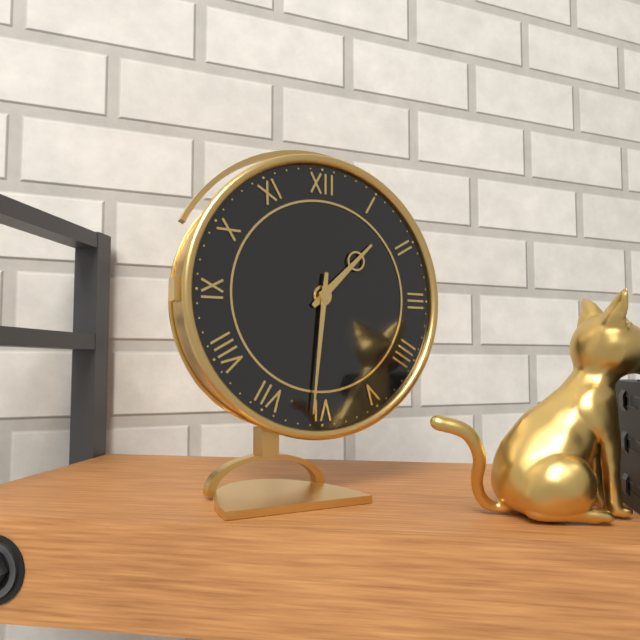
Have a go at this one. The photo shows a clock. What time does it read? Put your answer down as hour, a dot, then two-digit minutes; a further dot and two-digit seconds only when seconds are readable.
1.31
